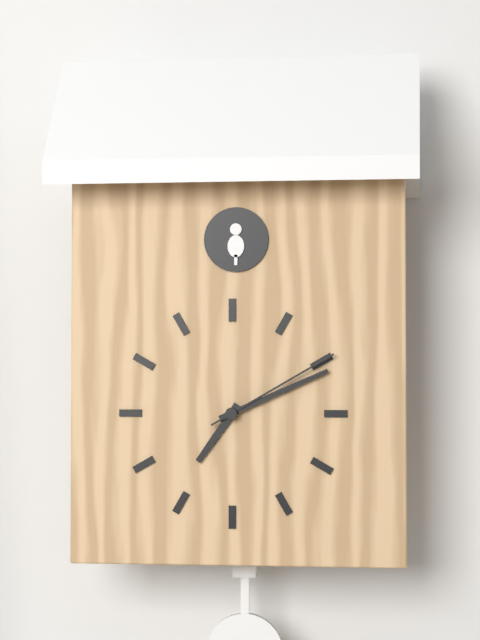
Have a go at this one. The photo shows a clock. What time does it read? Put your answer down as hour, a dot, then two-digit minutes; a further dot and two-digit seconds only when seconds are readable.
7.11.10
